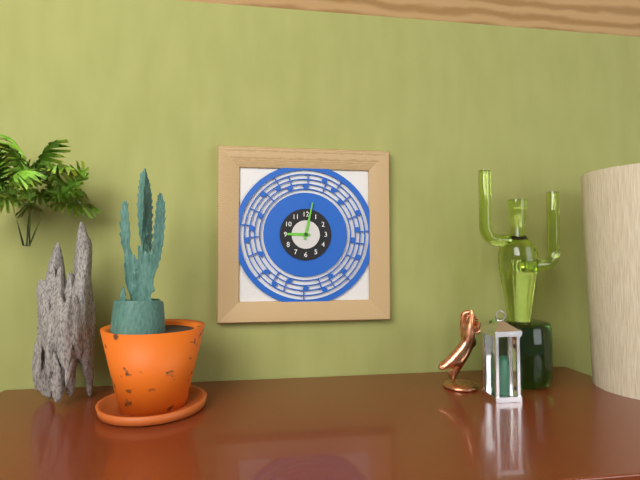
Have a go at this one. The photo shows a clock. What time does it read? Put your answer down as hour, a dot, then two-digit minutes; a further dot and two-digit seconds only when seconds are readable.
9.02
